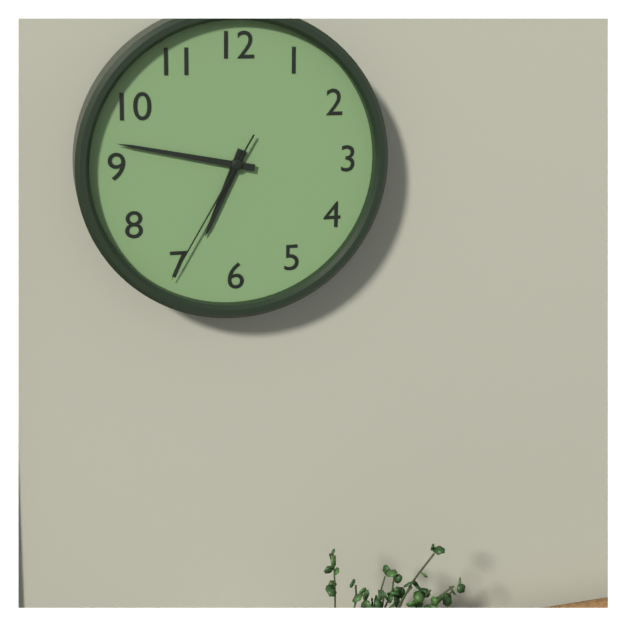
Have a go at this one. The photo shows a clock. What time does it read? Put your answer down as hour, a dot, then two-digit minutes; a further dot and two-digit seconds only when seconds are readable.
6.47.35
